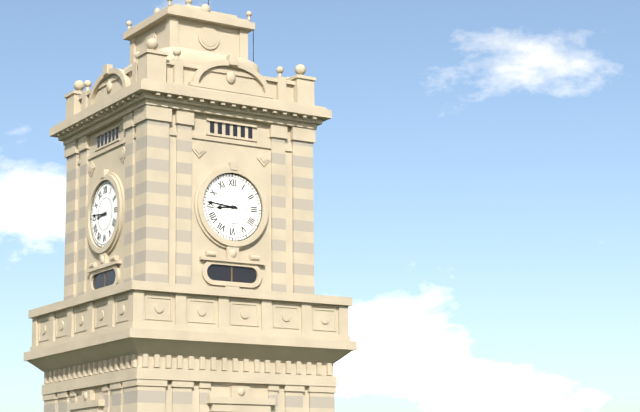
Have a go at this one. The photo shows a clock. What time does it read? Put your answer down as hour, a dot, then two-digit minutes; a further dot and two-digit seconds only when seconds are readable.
8.46
